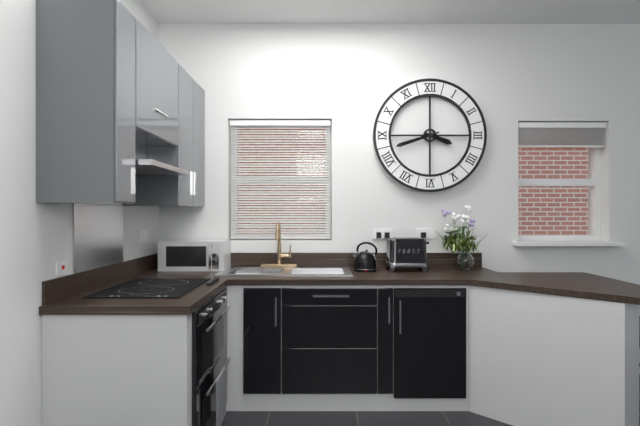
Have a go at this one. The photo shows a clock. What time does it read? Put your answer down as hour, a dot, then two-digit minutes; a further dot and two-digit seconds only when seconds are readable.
3.42
